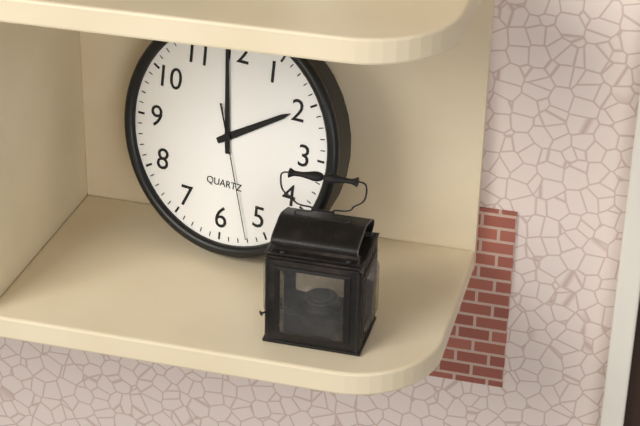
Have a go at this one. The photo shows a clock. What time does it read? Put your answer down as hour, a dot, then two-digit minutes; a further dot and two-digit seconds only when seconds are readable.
1.59.27
